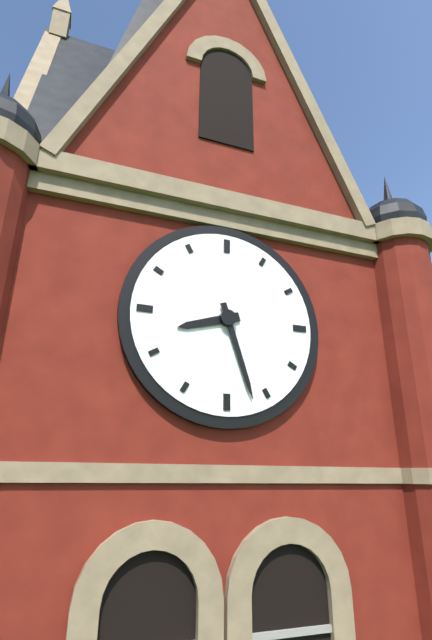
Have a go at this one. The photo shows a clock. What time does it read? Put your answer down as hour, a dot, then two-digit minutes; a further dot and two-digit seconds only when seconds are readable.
8.27
